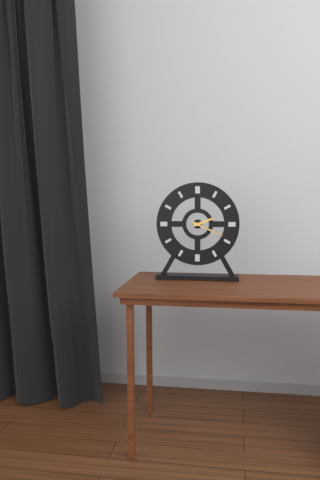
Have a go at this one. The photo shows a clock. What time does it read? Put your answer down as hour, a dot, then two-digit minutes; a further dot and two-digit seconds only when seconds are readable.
2.19
